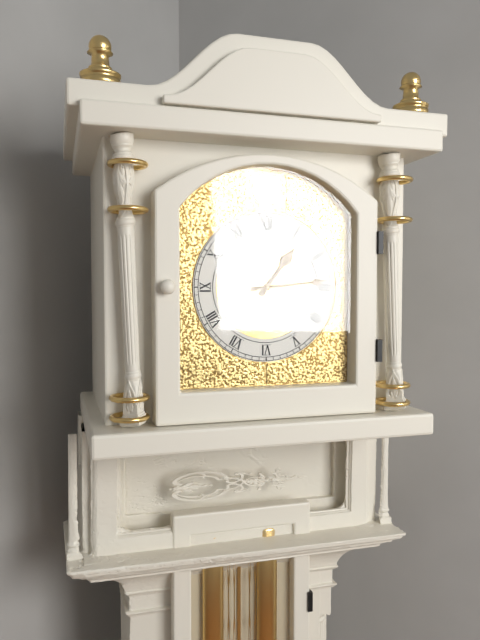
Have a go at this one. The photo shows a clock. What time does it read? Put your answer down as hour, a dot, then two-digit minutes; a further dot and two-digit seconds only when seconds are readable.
1.14
